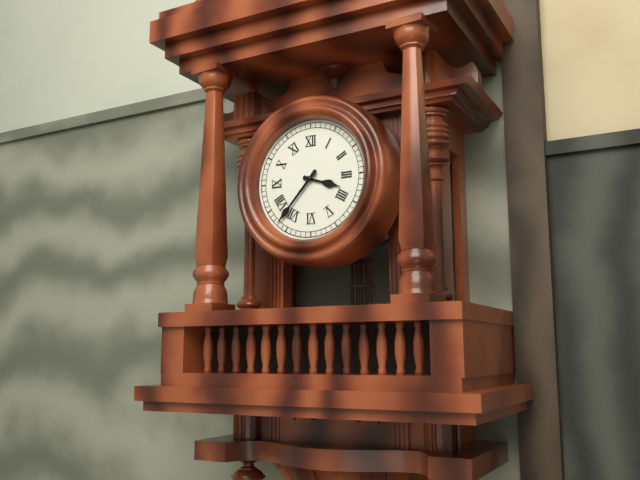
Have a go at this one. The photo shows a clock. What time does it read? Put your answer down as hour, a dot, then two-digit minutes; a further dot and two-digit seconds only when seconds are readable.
3.37
